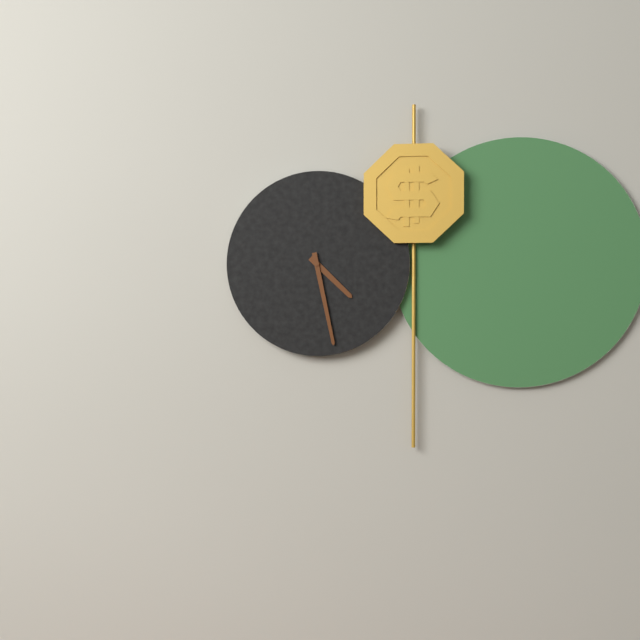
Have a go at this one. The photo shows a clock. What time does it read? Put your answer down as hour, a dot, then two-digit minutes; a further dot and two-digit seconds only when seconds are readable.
4.28
